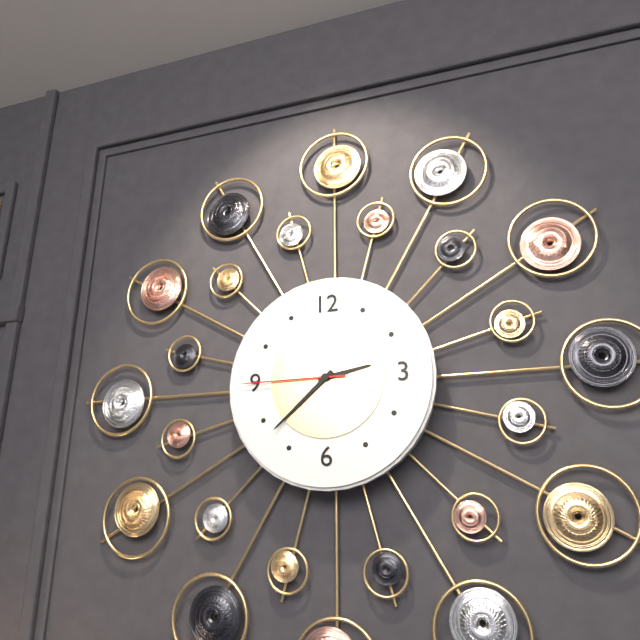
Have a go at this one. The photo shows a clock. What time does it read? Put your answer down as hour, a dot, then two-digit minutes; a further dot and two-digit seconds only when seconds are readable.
2.38.45
